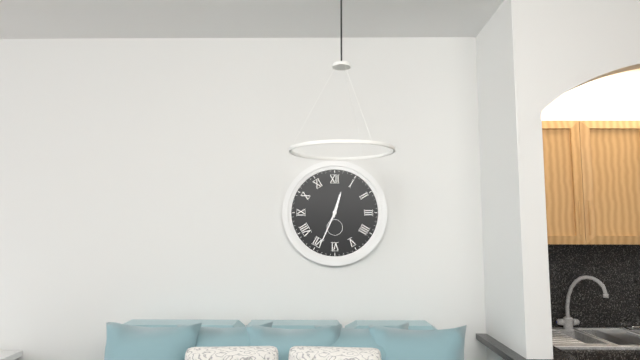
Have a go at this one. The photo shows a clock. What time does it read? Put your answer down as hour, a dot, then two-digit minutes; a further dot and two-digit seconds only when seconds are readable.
12.34
